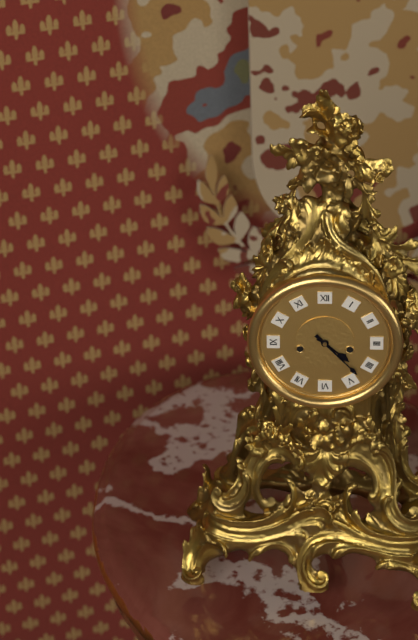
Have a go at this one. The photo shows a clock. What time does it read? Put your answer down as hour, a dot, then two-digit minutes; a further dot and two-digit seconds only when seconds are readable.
4.23
